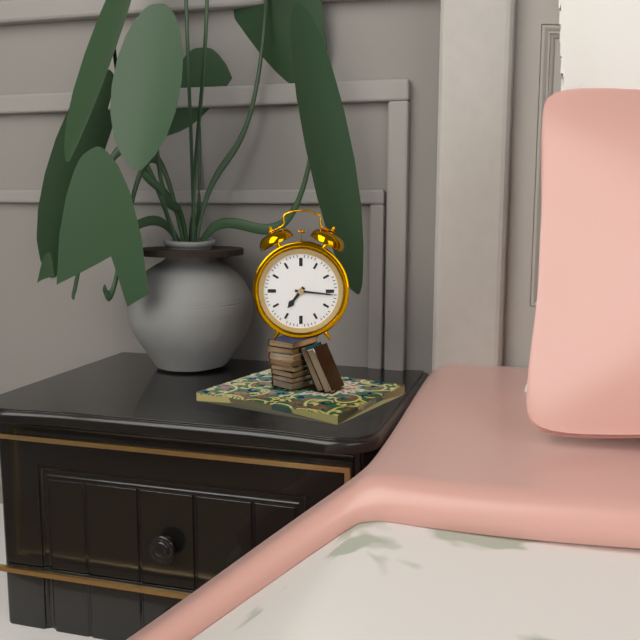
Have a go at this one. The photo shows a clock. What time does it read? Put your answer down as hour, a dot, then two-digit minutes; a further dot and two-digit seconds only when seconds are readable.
7.16
